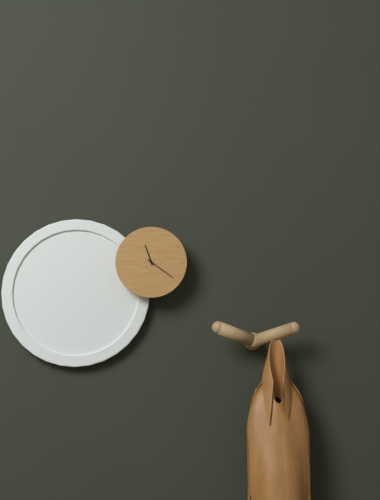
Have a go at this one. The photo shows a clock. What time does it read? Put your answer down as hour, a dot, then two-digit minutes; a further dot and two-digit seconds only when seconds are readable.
11.21
